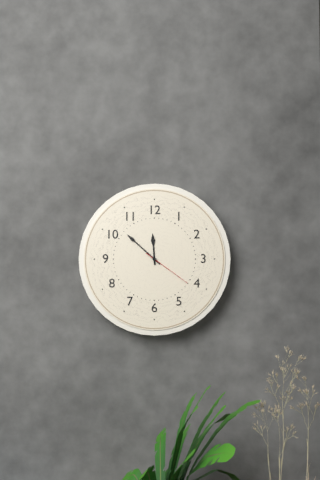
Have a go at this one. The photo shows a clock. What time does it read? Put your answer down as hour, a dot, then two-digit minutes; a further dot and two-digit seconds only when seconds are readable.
11.52.21
